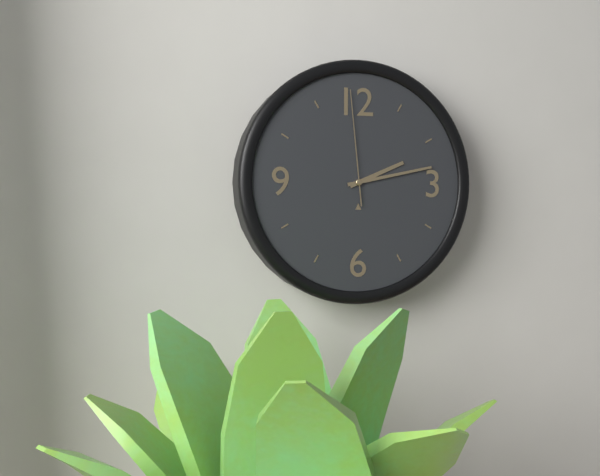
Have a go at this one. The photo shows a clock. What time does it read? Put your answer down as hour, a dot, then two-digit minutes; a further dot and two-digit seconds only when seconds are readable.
2.13.59
